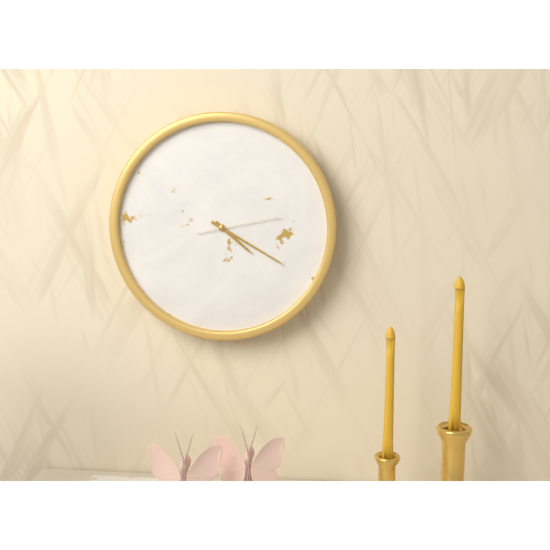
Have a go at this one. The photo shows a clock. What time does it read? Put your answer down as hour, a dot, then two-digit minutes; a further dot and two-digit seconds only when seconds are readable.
4.20.13
